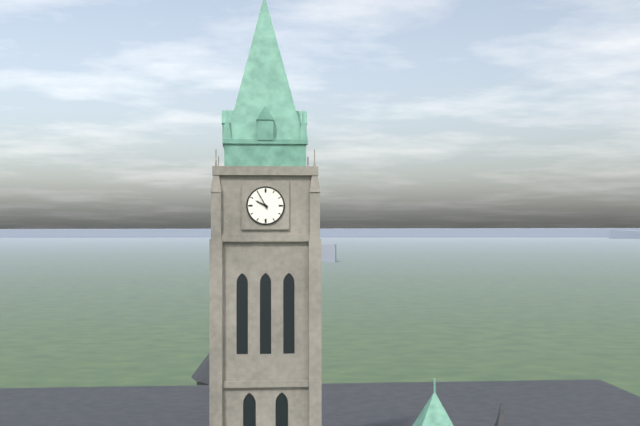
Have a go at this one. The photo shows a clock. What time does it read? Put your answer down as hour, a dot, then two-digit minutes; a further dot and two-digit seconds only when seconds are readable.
9.55
